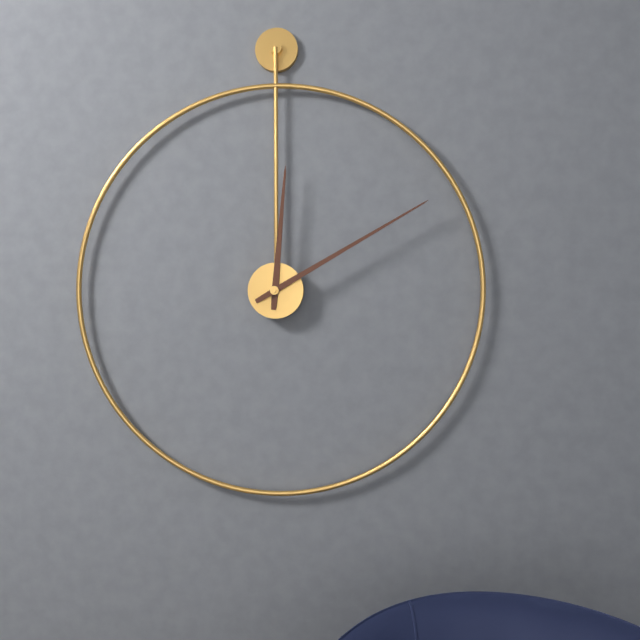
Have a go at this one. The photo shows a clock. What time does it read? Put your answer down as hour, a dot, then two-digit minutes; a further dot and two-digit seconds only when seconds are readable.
12.10
